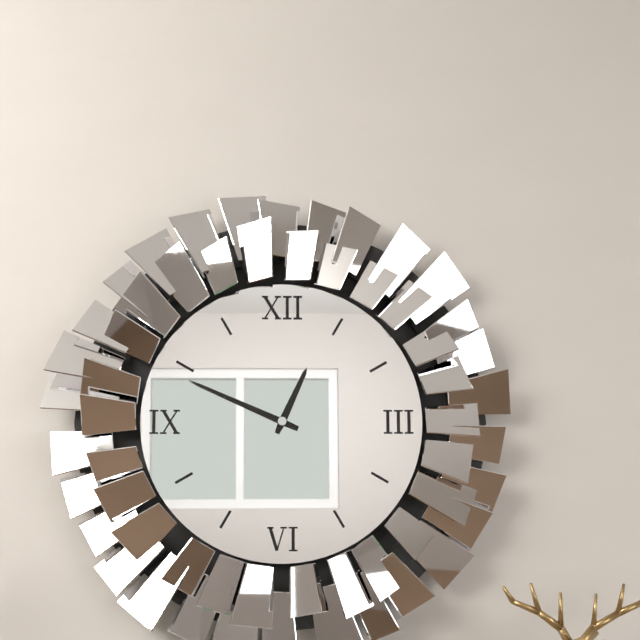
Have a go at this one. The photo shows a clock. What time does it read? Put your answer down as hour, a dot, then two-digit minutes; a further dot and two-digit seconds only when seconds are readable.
12.49
